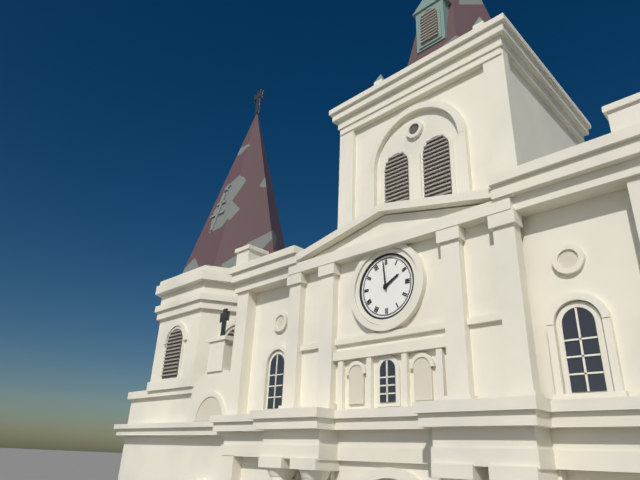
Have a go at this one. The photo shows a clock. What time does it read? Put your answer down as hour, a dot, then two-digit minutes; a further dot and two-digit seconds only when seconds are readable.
1.59
